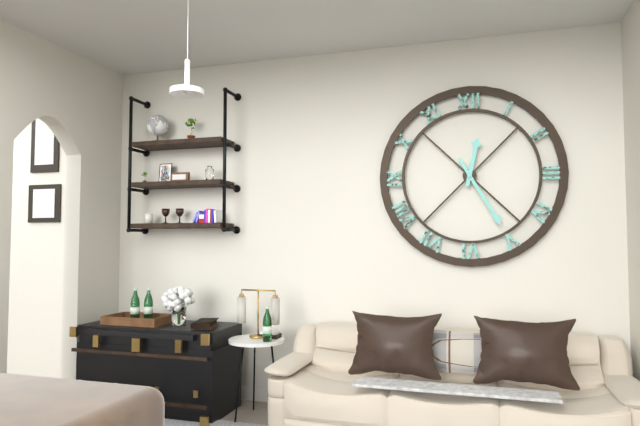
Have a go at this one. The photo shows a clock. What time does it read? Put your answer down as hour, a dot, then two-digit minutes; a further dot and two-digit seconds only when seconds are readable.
12.25
